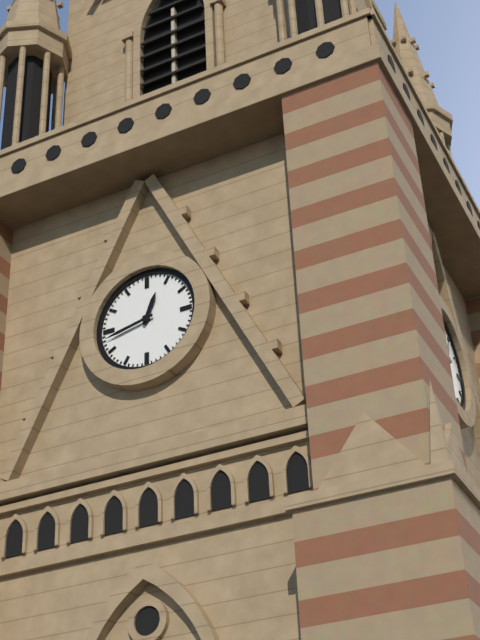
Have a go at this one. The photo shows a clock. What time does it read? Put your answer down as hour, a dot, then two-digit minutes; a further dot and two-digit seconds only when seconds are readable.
12.43
